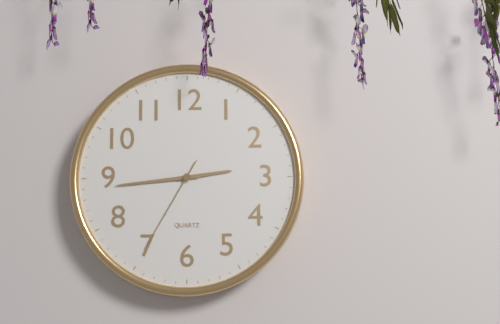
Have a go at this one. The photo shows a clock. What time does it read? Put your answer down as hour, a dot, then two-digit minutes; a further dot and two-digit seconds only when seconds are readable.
2.44.35
